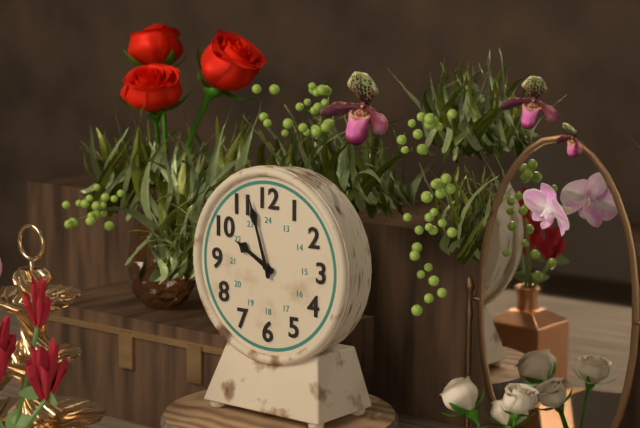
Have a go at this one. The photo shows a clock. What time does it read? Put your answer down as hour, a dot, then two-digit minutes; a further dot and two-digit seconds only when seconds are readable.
9.57
